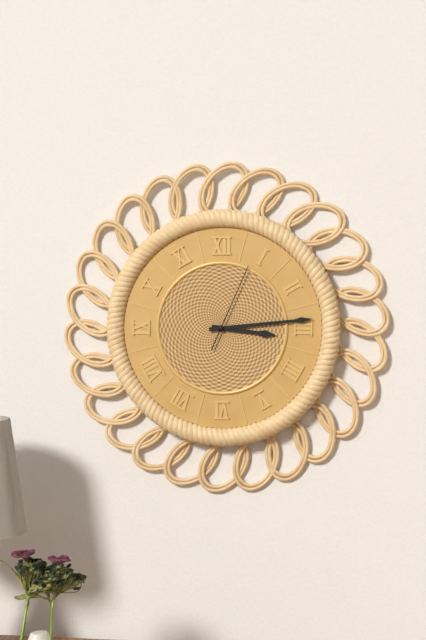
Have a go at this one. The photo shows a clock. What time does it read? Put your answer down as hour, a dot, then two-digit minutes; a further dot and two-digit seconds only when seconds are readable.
3.14.04
